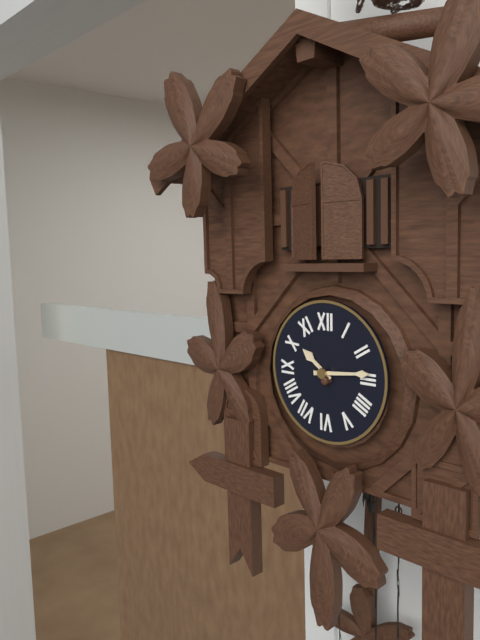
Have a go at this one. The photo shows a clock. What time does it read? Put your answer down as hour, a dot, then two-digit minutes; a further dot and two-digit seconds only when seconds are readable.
10.14
